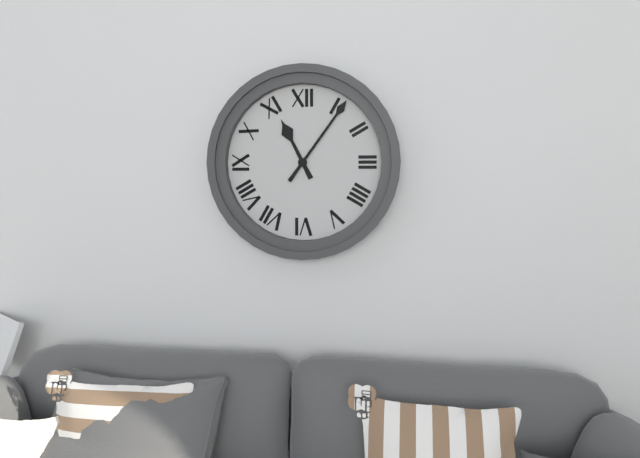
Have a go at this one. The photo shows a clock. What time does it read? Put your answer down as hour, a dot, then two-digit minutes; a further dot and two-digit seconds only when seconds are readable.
11.06
